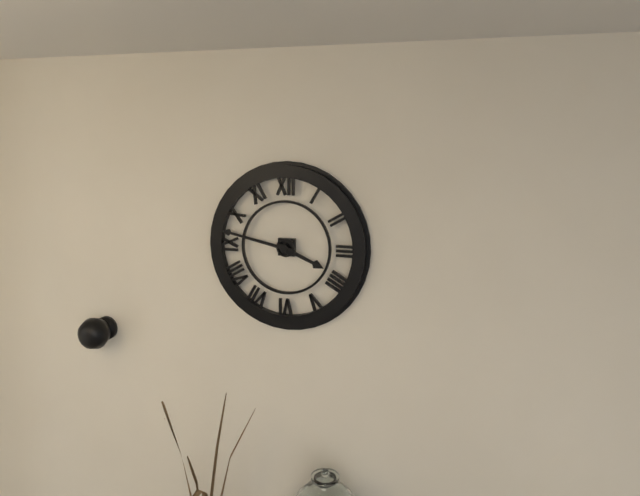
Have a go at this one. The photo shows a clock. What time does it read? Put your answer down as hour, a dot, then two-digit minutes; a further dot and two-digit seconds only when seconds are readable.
3.47
